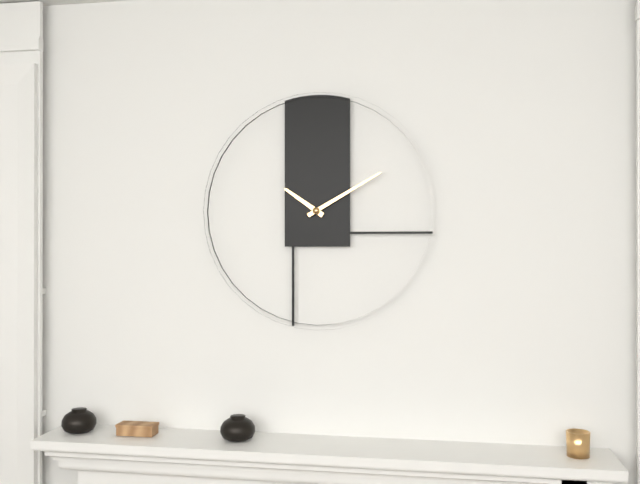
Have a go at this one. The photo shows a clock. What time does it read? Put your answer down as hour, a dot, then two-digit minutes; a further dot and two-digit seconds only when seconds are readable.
10.10
